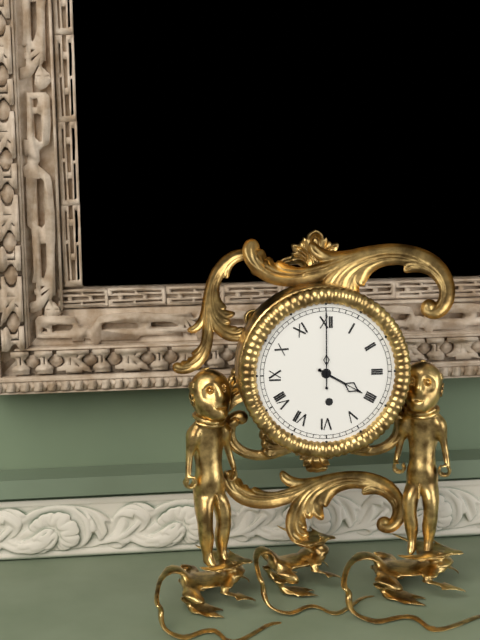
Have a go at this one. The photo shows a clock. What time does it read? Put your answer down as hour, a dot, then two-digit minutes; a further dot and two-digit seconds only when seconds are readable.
4.00
